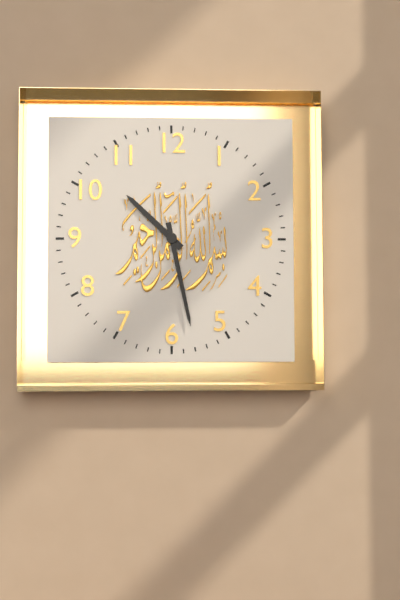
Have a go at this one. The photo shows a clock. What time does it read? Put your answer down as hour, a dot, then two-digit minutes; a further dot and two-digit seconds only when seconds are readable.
10.28
